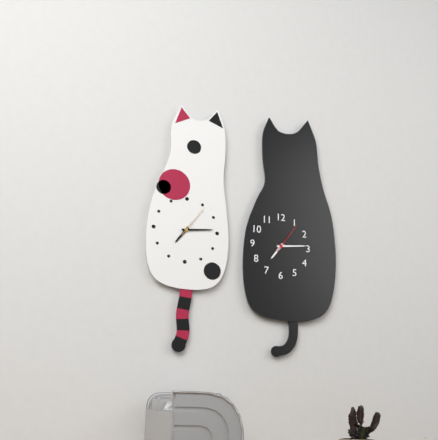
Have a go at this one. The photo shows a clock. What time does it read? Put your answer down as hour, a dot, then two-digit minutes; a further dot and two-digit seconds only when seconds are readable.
7.14
